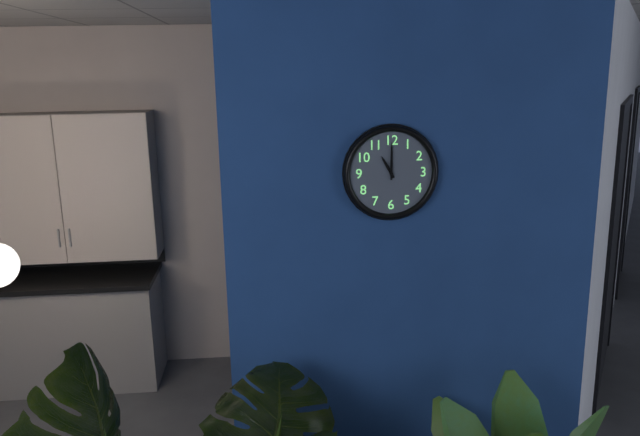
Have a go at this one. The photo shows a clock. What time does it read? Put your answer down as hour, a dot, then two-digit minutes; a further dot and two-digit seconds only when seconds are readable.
11.00
